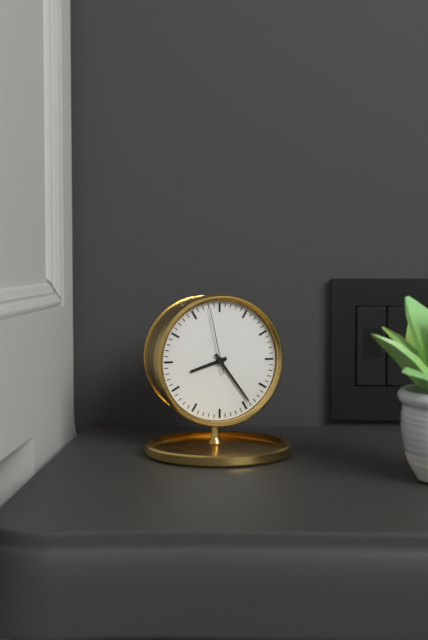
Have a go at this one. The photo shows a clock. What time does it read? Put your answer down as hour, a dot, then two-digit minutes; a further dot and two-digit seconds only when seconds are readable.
8.24.58
